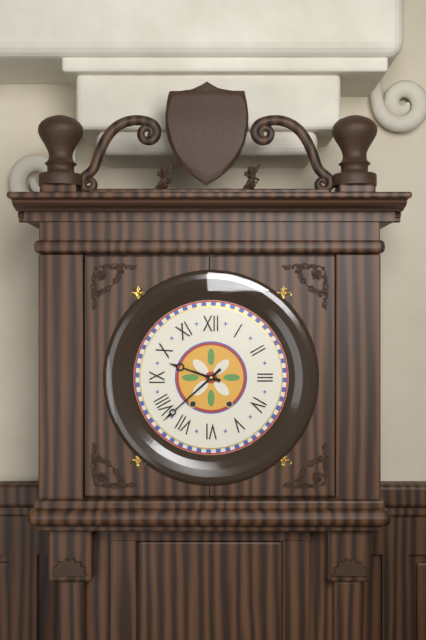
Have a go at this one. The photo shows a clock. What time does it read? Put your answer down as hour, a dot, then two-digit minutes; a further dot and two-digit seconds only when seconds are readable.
9.38
